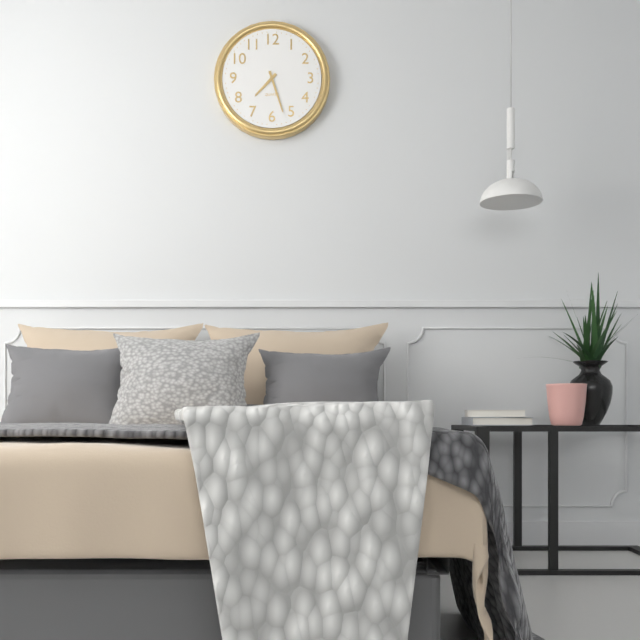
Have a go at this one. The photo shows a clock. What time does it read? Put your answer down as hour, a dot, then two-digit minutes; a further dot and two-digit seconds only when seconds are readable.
7.27
